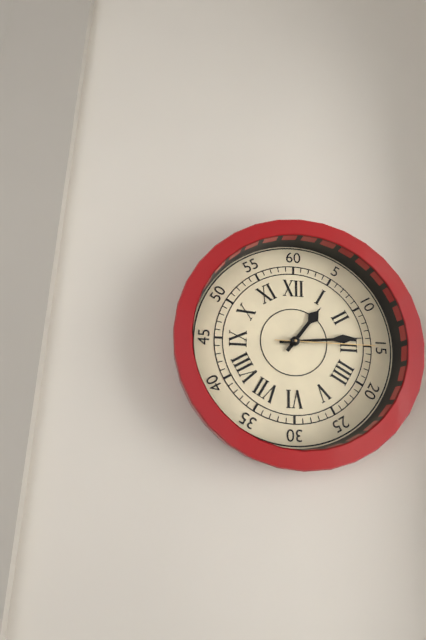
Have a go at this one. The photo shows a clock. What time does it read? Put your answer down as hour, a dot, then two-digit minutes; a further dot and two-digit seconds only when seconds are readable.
1.14.15
